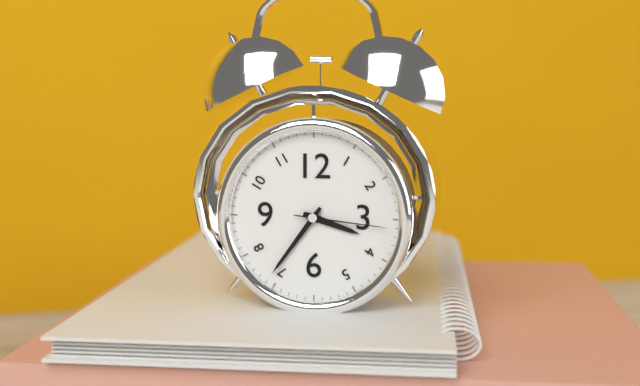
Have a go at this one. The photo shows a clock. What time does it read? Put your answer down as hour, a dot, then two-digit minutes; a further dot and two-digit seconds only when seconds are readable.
3.36.16
